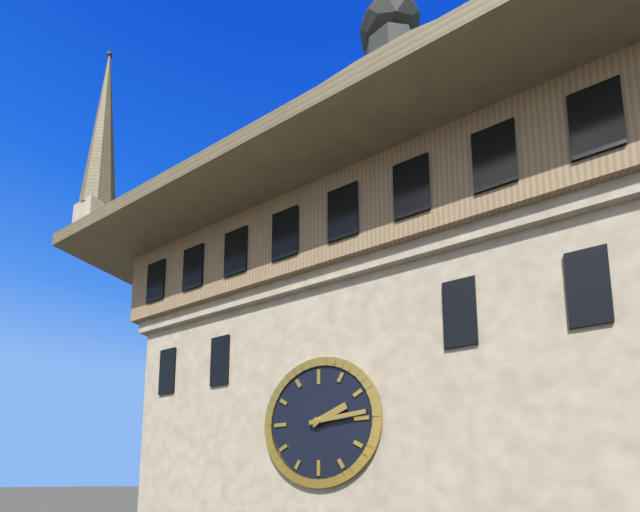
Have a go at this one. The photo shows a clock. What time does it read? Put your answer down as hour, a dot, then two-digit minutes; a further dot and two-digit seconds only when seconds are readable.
2.14
